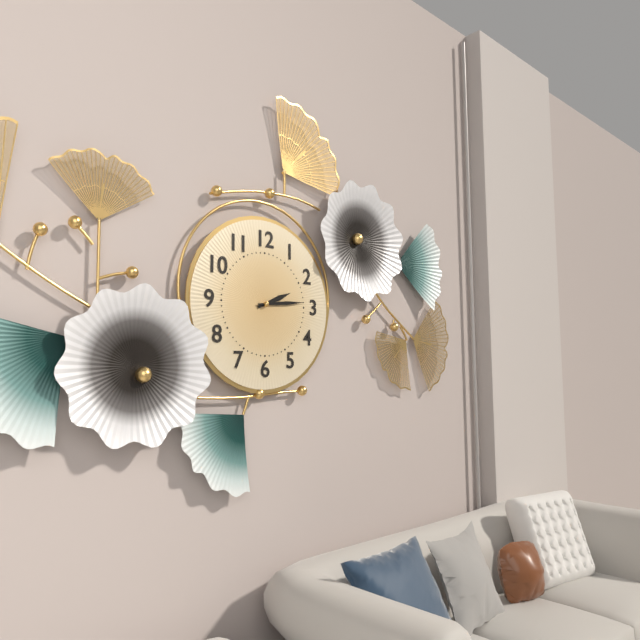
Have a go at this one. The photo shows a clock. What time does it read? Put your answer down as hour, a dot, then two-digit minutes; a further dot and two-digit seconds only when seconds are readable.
2.14
